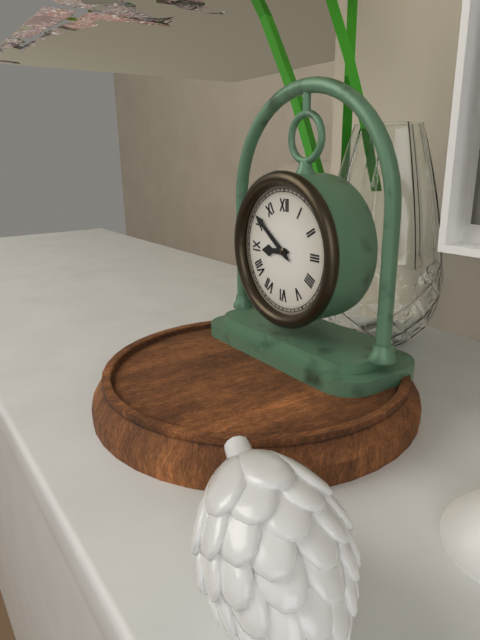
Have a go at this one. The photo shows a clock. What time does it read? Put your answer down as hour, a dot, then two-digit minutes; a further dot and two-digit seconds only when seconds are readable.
8.51
